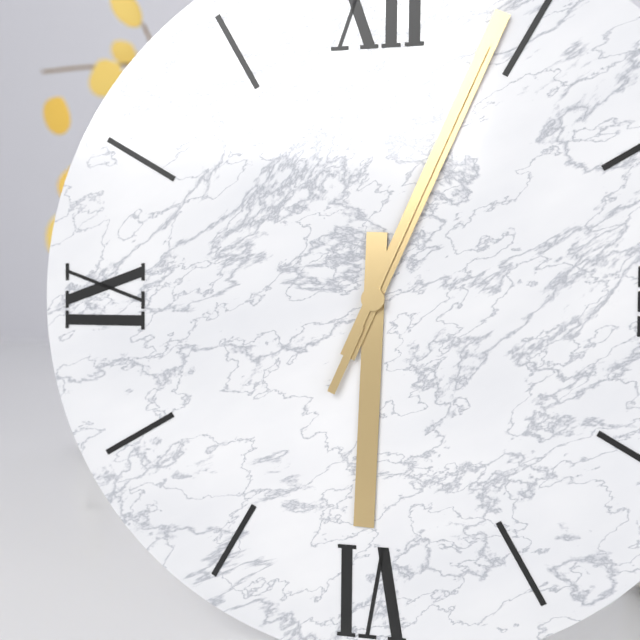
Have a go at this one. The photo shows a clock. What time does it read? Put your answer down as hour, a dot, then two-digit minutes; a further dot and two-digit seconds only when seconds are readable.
6.04.04
